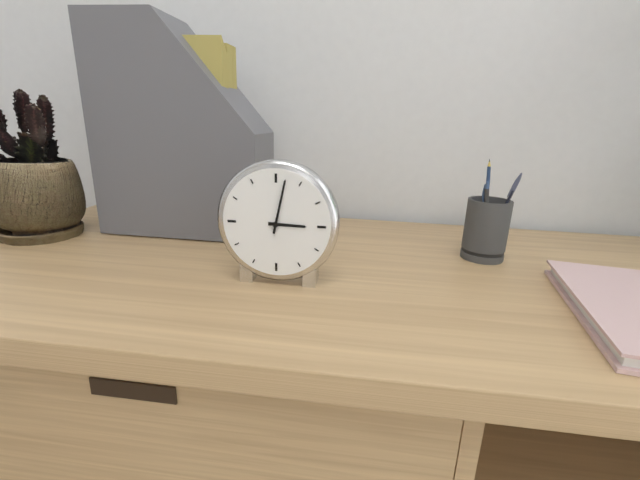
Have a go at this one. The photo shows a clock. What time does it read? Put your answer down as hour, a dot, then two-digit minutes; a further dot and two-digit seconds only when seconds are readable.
3.02
